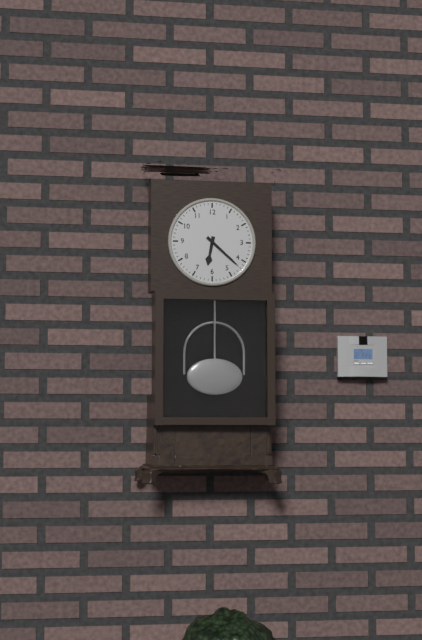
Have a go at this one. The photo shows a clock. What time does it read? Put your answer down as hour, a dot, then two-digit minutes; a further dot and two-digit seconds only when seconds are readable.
6.22
